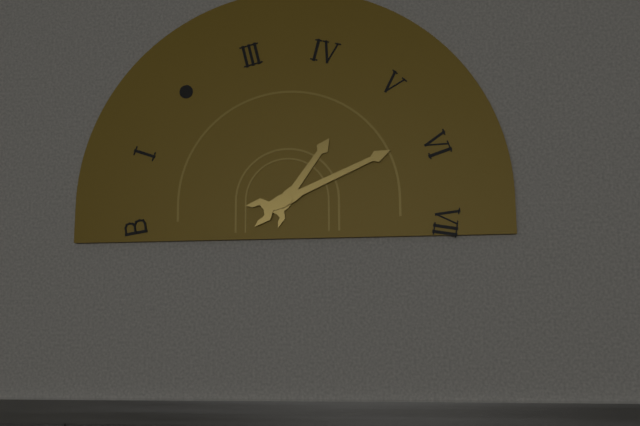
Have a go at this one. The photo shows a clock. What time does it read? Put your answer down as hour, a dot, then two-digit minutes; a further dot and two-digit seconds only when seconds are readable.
1.11
